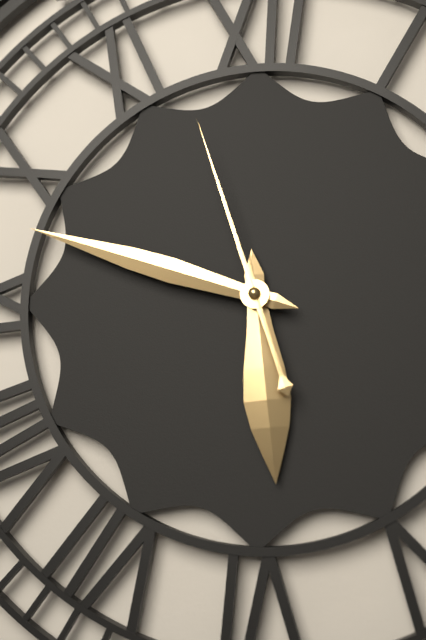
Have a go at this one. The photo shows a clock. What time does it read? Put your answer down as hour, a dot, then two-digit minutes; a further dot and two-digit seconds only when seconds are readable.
5.48.57
